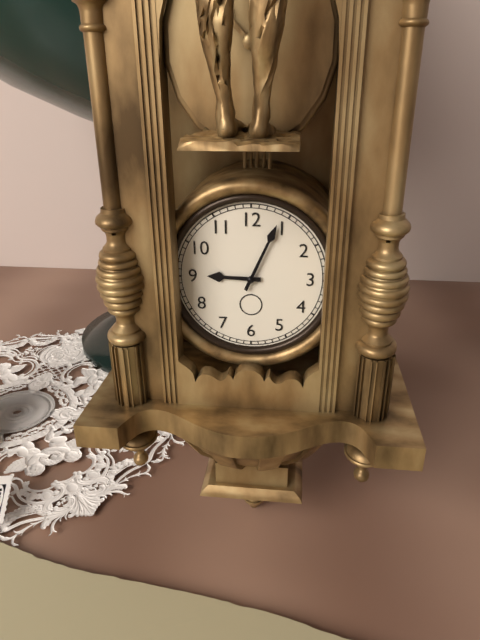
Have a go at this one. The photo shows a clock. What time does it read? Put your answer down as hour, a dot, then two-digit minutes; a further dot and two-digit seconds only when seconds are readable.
9.04
